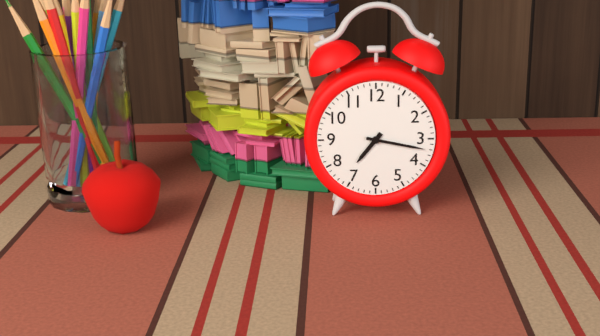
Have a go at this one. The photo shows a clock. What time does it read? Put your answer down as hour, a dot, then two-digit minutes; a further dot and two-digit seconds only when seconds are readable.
7.17
